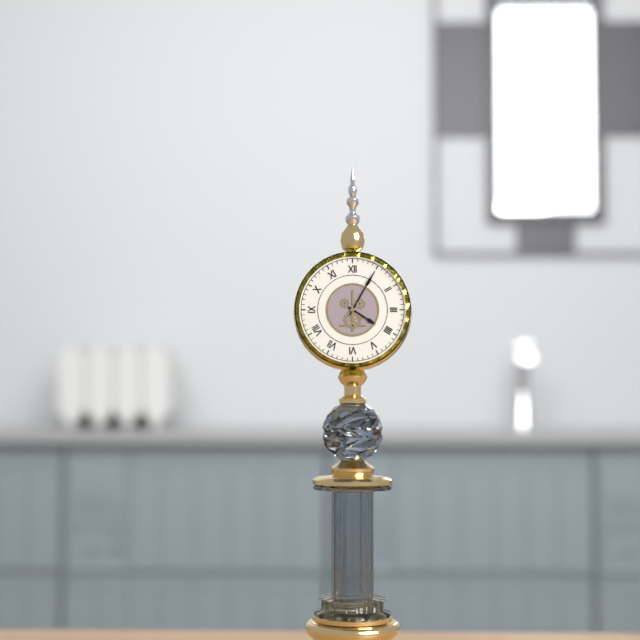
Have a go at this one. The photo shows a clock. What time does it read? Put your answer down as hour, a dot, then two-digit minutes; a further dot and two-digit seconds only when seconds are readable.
4.05
